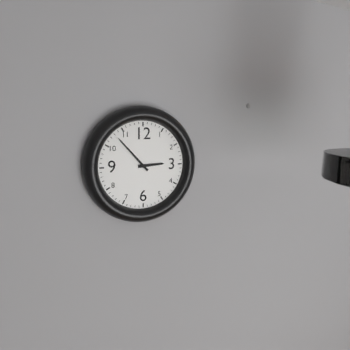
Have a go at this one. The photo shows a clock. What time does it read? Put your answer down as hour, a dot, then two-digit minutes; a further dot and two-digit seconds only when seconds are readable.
2.53
